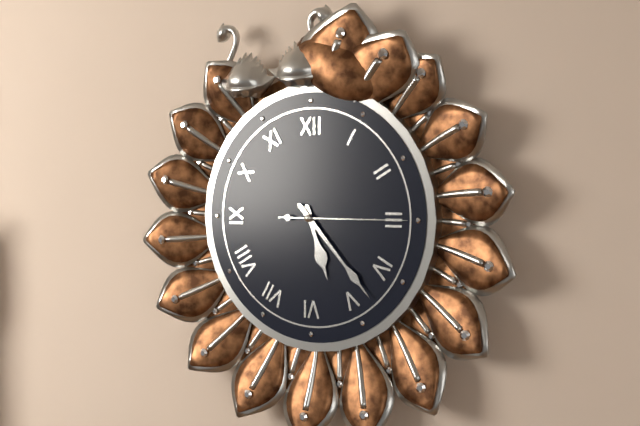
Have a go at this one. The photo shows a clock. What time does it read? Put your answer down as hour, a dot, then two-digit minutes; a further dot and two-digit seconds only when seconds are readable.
5.23.15
